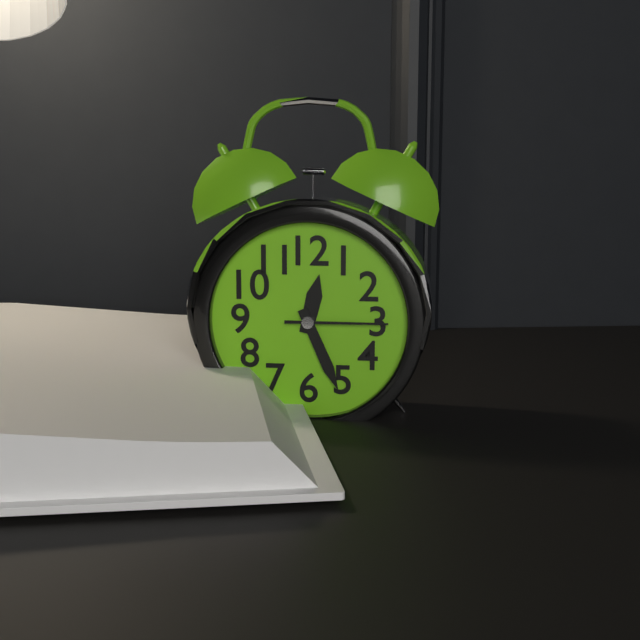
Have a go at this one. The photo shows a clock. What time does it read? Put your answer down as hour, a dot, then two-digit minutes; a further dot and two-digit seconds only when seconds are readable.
12.26.15
